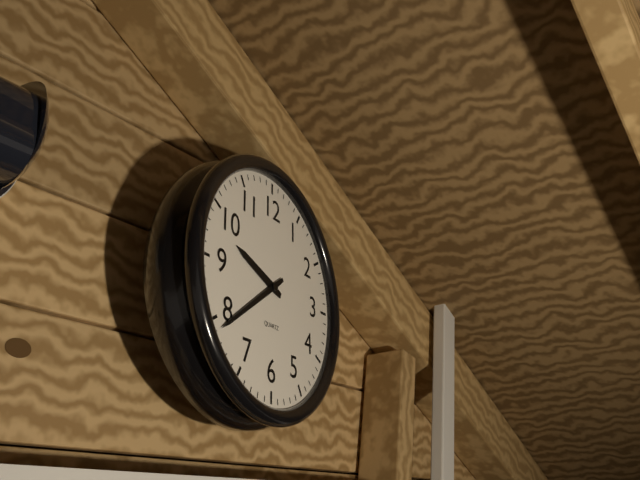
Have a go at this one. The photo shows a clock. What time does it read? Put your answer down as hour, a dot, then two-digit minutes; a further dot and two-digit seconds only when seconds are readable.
9.39
